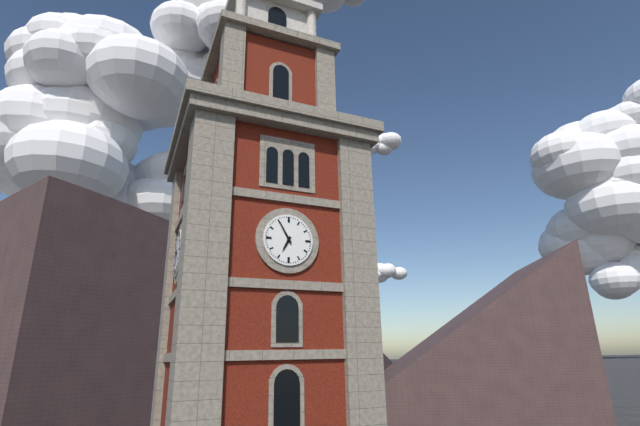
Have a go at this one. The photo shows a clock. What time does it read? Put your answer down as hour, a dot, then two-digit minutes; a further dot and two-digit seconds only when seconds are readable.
6.55
